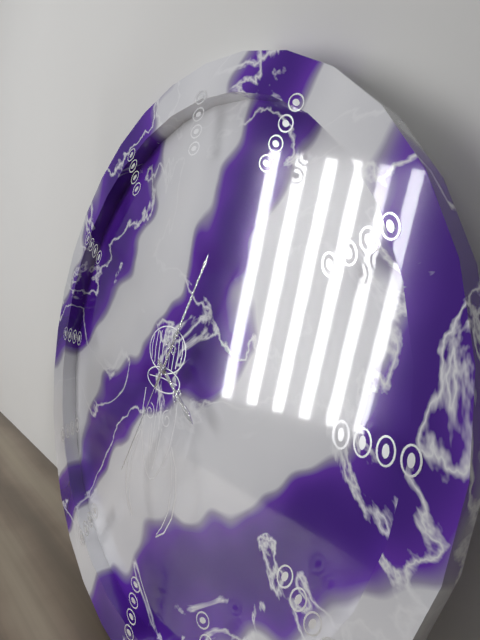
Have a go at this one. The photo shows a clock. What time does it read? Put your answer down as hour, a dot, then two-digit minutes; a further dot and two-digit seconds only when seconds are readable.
4.04.34
